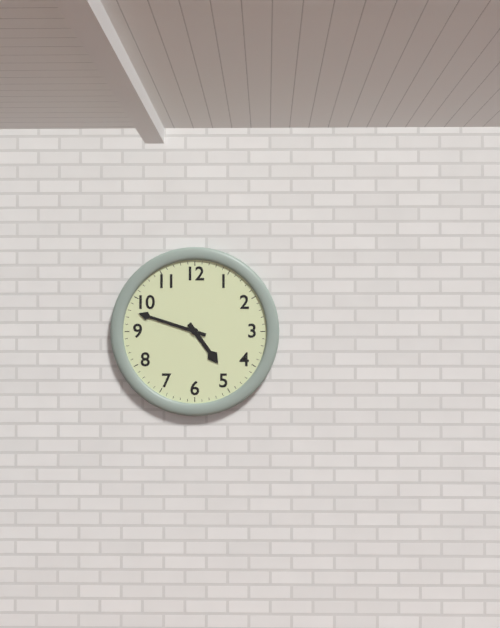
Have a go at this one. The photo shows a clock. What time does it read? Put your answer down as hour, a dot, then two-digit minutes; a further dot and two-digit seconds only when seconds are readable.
4.48
